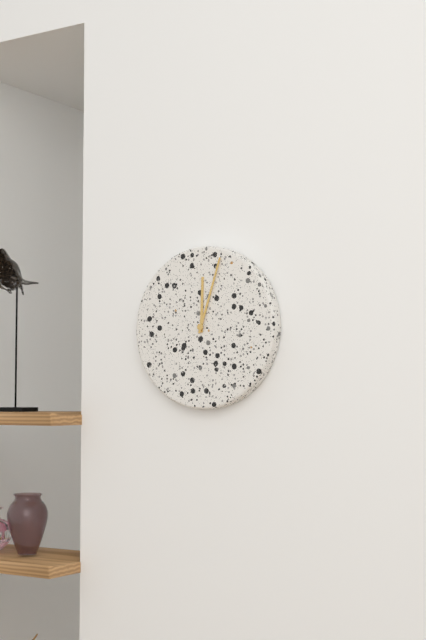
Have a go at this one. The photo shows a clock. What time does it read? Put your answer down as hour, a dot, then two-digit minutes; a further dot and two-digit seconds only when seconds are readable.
12.03
